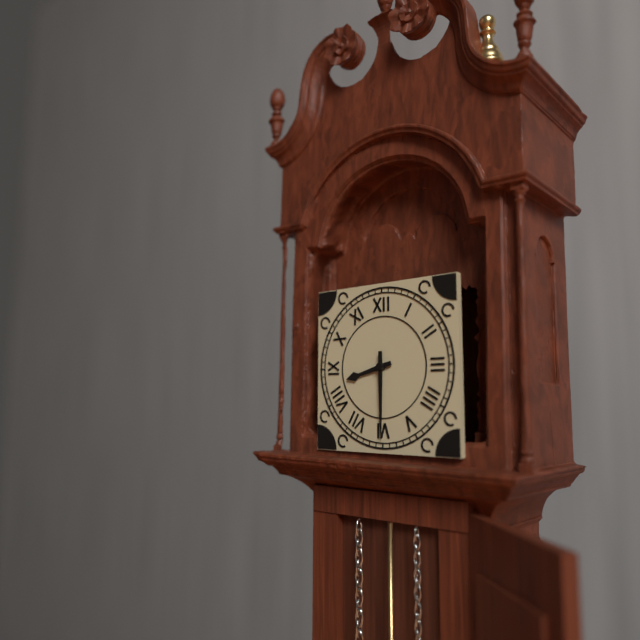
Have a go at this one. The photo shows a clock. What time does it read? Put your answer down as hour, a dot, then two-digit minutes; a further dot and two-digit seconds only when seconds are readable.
8.30
